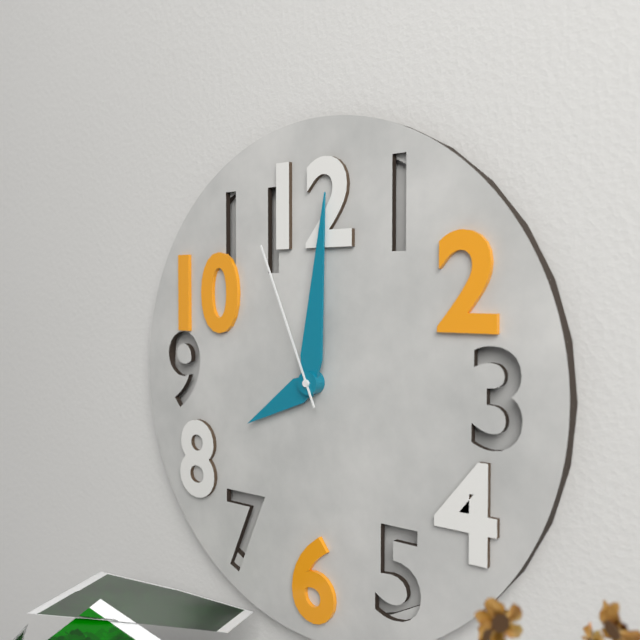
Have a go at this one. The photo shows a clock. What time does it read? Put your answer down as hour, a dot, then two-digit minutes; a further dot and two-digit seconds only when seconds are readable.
8.01.56
